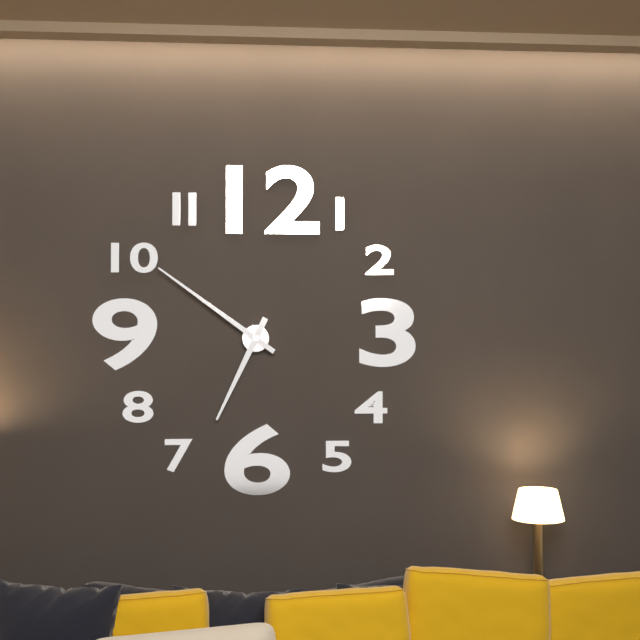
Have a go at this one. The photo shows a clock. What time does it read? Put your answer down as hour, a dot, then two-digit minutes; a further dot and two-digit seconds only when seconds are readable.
6.51
